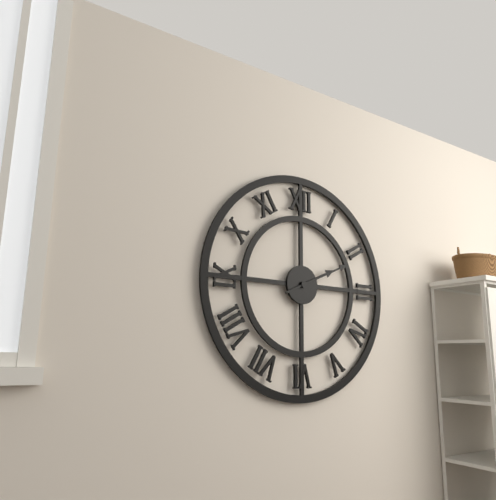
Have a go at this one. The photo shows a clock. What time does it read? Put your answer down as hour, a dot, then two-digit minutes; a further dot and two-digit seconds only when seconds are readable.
2.11
